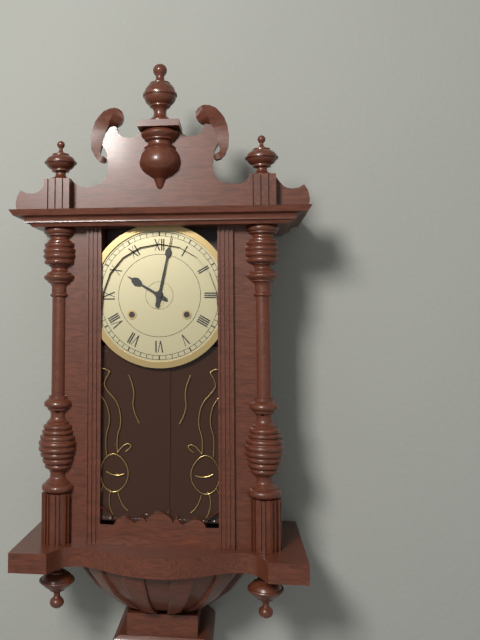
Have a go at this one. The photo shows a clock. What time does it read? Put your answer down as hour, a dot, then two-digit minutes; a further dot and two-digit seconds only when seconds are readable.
10.02
